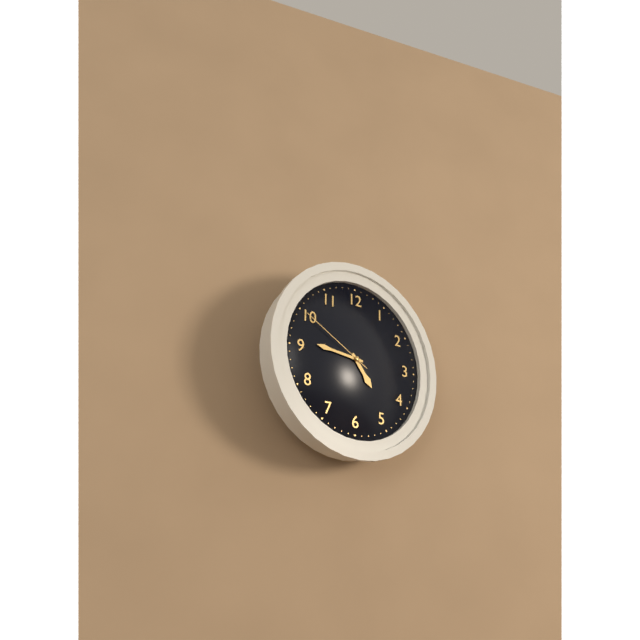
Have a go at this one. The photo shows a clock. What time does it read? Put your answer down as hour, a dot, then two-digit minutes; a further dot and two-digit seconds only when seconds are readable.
4.46.50
